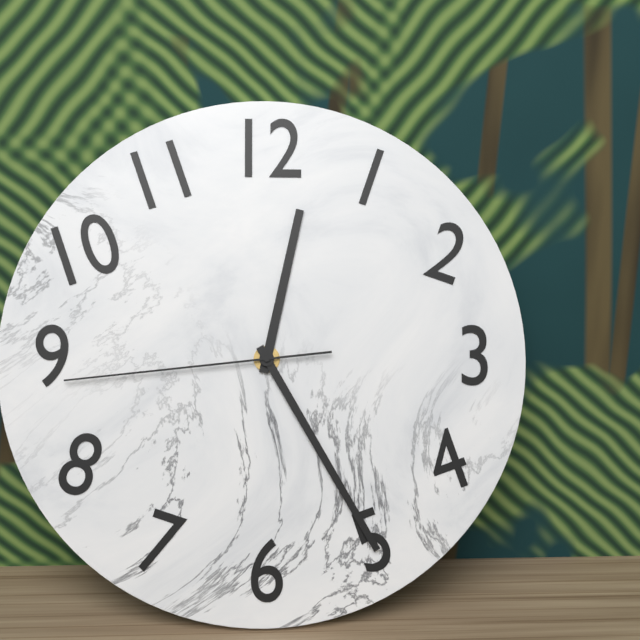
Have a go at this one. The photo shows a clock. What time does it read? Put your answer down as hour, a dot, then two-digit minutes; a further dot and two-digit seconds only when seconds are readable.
12.25.44
